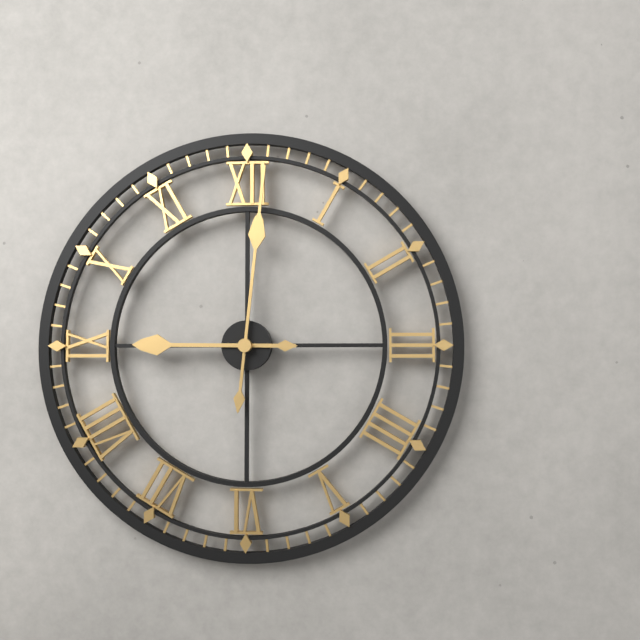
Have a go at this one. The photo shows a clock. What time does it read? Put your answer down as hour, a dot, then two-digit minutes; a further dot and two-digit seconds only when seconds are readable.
9.01
